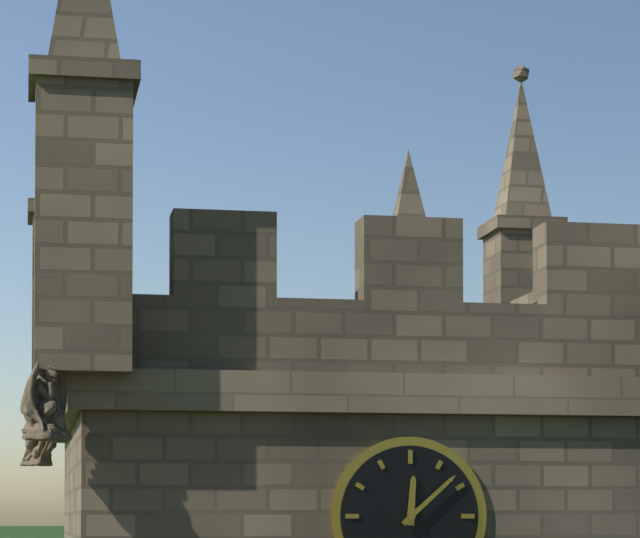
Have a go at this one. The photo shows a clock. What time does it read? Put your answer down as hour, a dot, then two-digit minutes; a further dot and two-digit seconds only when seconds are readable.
12.08
